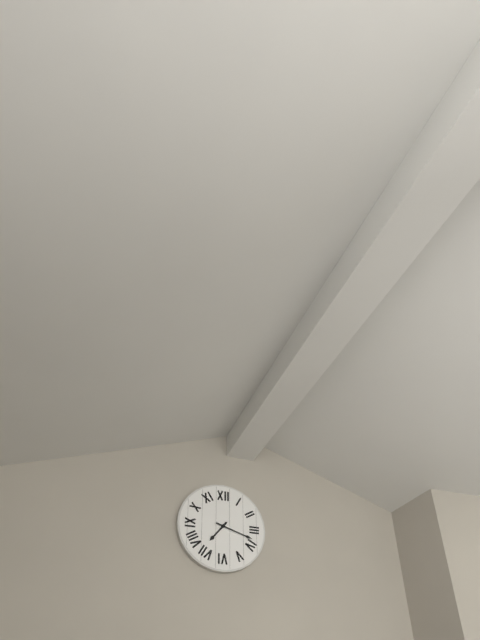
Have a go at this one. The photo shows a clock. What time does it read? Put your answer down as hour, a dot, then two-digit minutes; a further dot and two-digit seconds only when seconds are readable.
7.18
